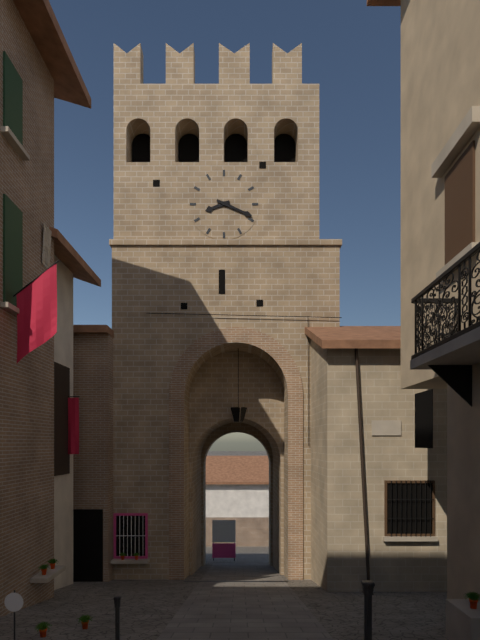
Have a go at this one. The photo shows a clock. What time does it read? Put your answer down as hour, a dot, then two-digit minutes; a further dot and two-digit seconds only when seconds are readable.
8.19
